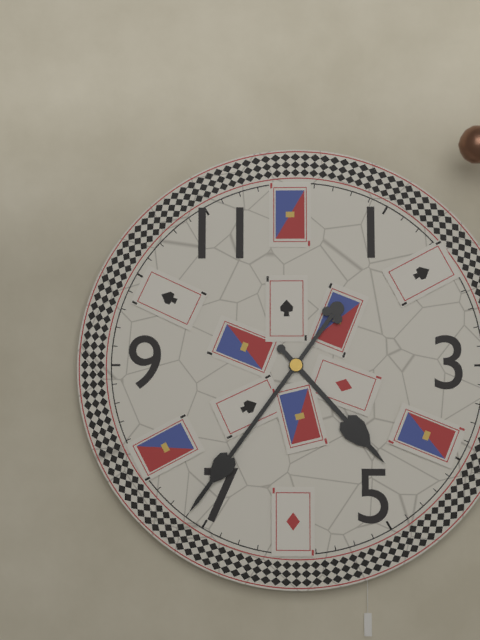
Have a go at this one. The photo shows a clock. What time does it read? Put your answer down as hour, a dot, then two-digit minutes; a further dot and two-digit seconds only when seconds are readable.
4.36
